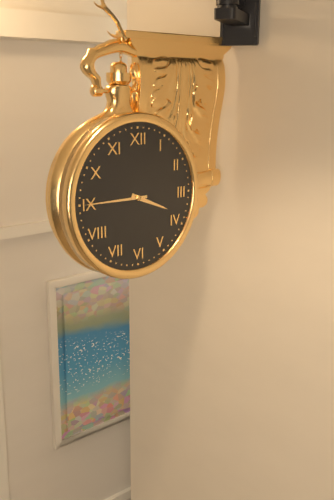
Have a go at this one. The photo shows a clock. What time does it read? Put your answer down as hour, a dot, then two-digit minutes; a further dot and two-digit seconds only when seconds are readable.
3.45
